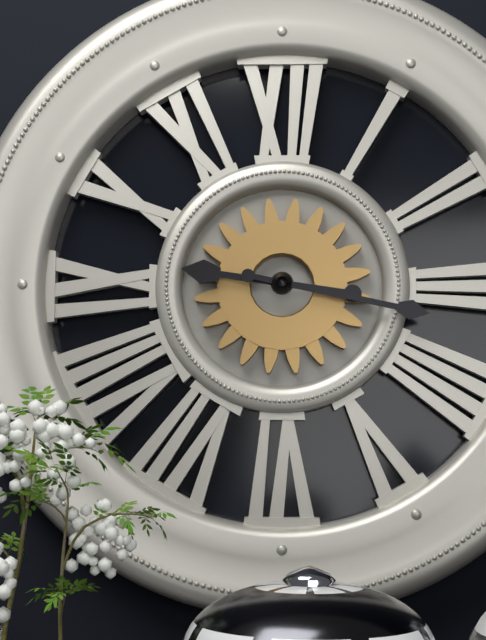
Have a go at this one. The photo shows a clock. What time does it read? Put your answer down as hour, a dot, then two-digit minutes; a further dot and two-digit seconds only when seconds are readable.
9.17
